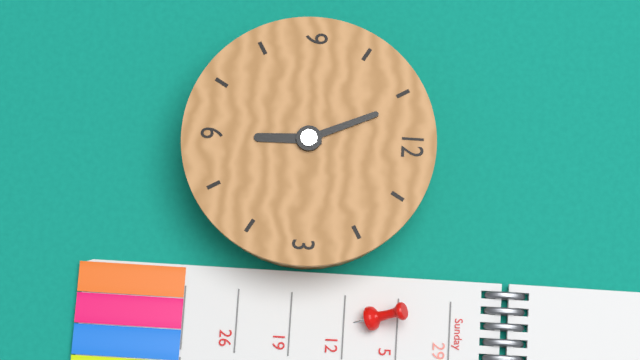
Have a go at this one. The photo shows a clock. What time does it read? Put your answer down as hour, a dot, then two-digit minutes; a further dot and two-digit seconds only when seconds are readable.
5.56
